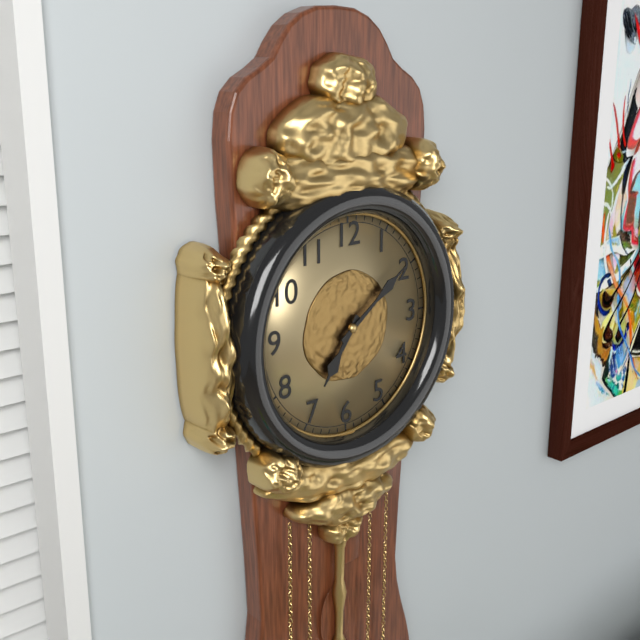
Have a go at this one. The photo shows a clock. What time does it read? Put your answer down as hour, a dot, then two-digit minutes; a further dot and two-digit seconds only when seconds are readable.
7.09
